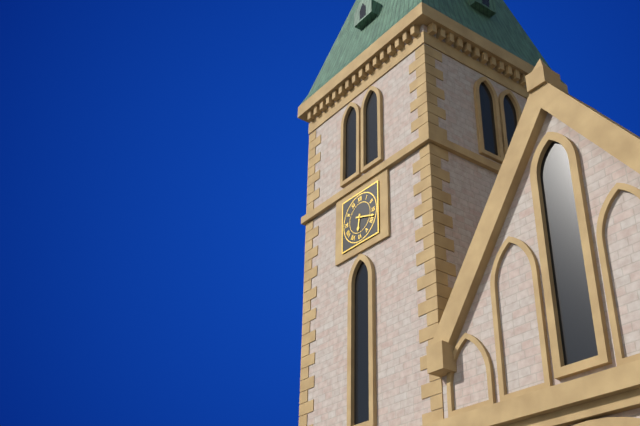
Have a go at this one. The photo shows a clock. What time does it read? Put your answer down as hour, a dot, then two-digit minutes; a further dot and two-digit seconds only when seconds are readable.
6.18
